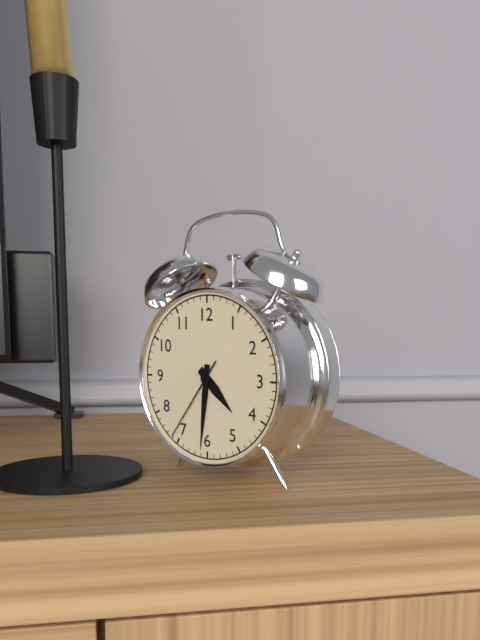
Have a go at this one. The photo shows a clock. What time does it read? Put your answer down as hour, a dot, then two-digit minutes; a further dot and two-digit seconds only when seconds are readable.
4.31.36
